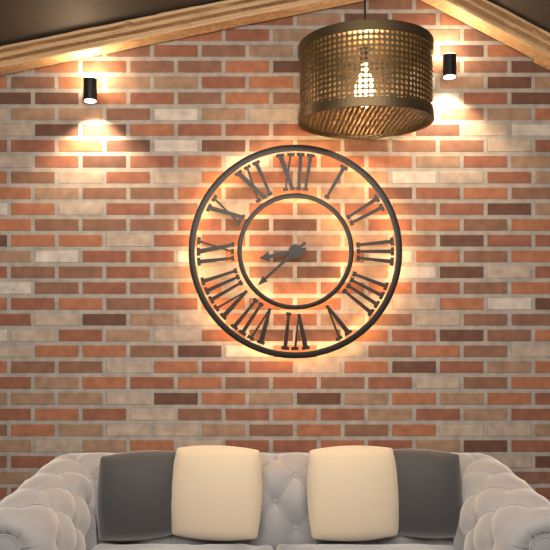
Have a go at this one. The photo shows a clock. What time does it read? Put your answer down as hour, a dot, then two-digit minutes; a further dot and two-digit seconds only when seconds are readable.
8.38
